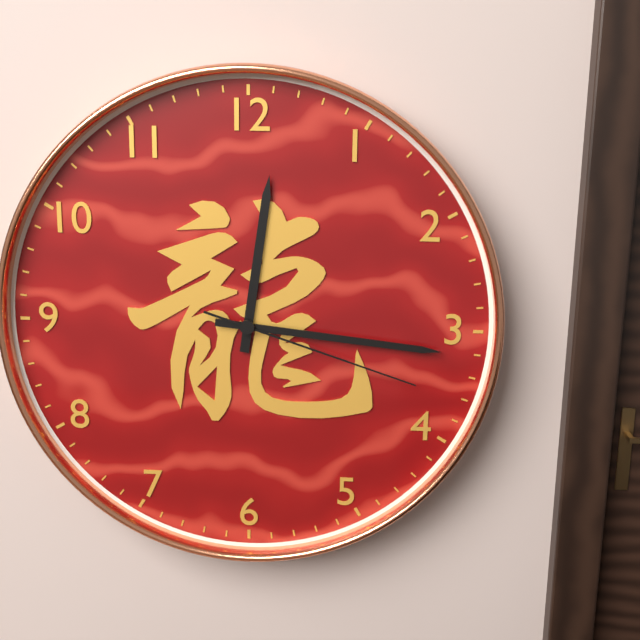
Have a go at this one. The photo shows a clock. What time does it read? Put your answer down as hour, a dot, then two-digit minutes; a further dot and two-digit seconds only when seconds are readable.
12.16.18
